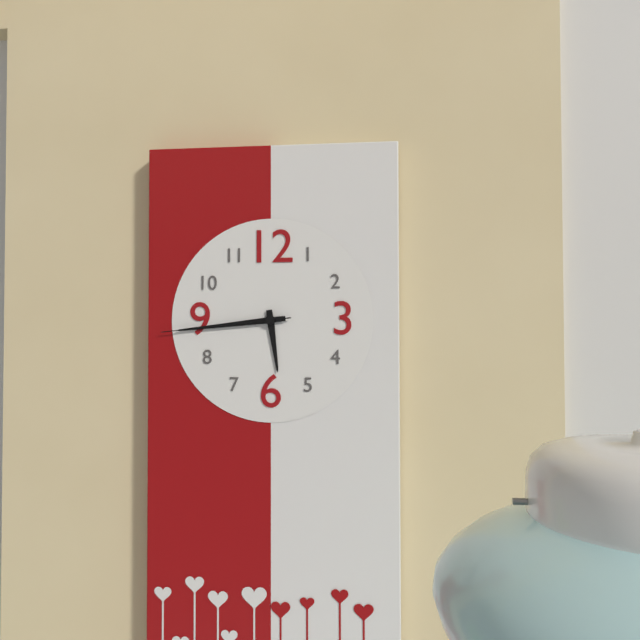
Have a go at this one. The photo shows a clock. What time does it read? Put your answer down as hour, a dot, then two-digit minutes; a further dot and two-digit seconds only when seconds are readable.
5.44.44
